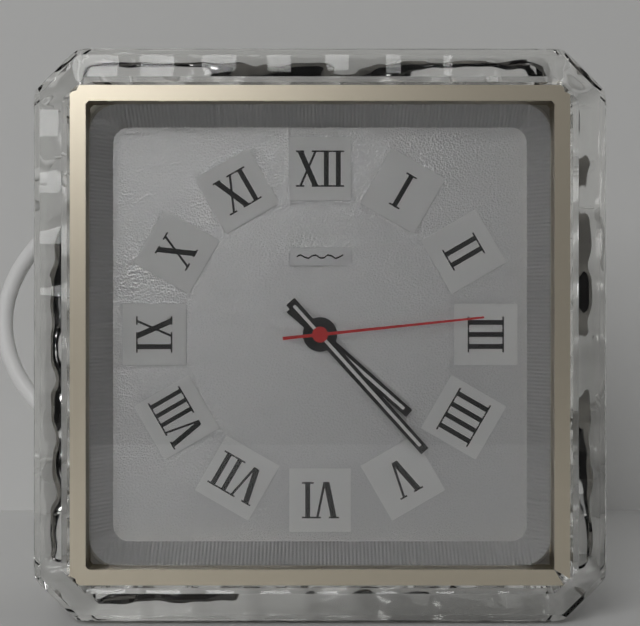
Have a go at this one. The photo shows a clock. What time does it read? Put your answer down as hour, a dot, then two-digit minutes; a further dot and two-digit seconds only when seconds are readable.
4.23.14
